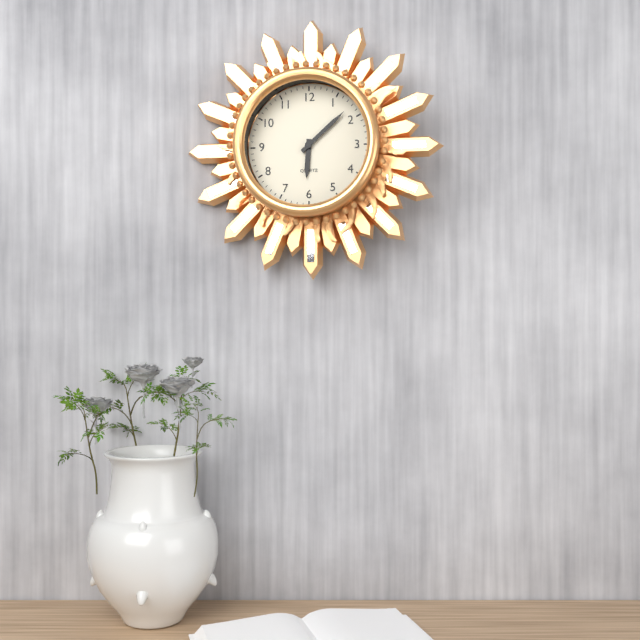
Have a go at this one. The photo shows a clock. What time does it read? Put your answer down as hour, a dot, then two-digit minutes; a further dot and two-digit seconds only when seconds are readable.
6.08
